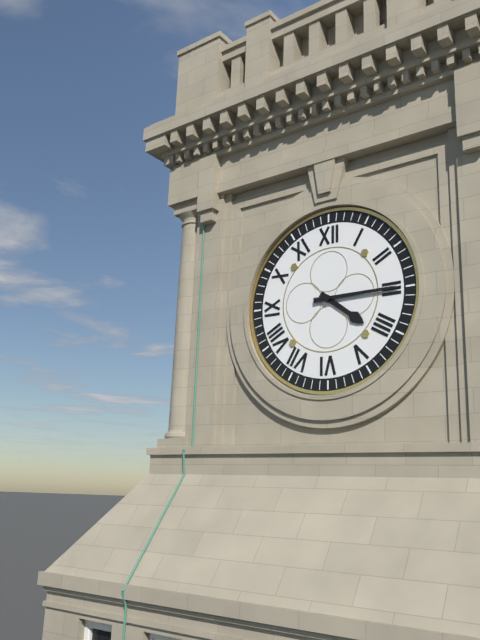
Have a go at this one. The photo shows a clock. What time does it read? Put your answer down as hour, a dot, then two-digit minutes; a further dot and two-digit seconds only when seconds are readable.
4.15
